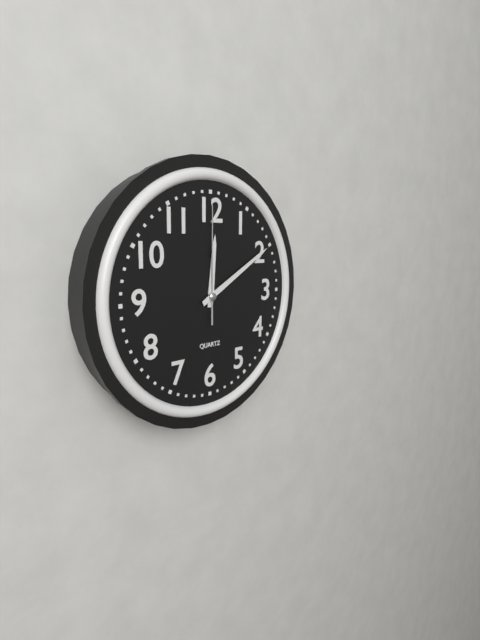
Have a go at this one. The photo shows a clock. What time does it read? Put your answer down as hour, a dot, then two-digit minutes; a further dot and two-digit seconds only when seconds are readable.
12.10.00
